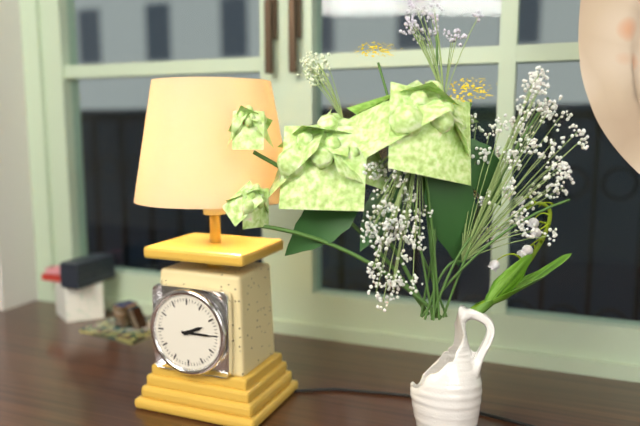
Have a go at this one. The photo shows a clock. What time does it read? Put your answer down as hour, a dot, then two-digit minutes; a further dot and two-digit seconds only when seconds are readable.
2.15
